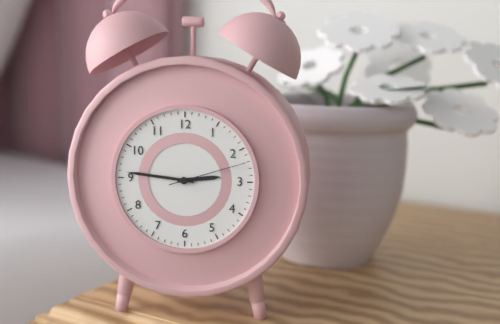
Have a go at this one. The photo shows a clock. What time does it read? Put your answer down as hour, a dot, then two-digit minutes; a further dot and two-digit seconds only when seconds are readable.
2.46.12
